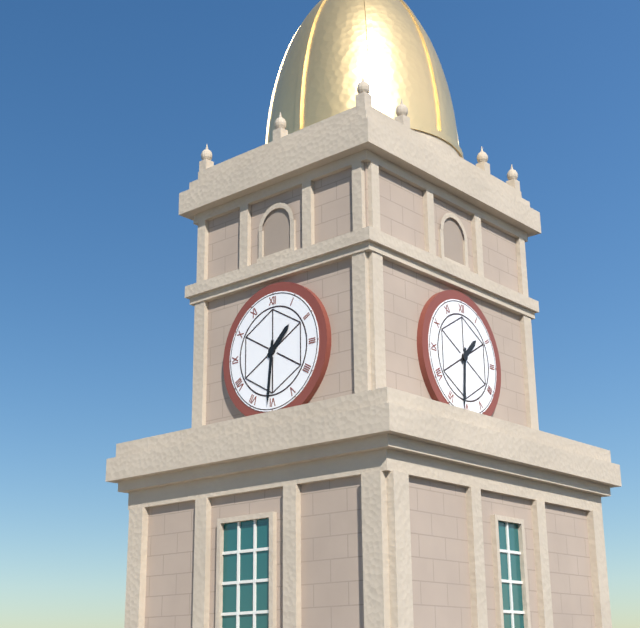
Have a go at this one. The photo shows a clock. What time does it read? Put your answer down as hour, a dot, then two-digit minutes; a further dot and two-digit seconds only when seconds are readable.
1.31
